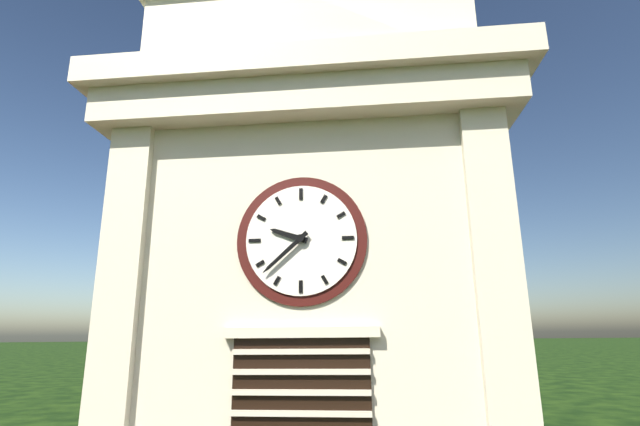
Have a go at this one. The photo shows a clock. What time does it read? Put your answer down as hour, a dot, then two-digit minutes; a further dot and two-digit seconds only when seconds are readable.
9.38
